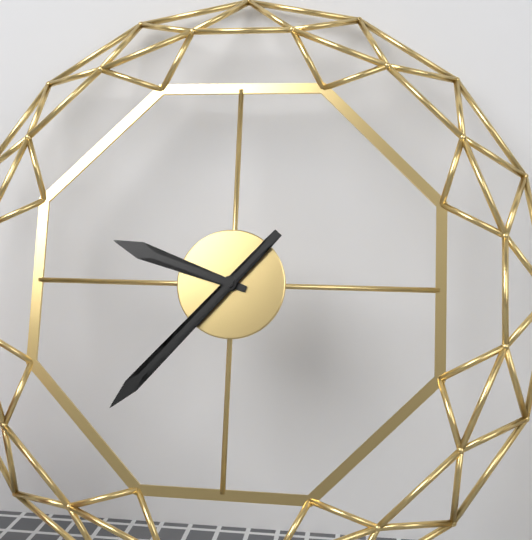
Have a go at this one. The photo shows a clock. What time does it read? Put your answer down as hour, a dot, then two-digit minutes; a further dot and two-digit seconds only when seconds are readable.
9.37
